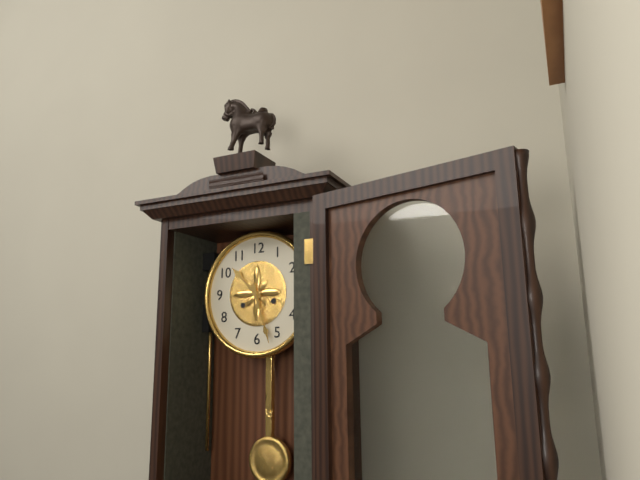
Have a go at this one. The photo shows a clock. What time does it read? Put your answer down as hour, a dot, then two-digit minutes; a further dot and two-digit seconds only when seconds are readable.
10.27
